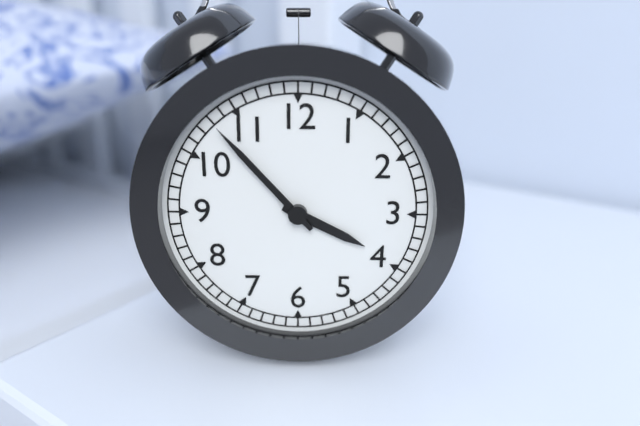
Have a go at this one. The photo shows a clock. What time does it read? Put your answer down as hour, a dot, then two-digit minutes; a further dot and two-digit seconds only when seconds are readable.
3.53
